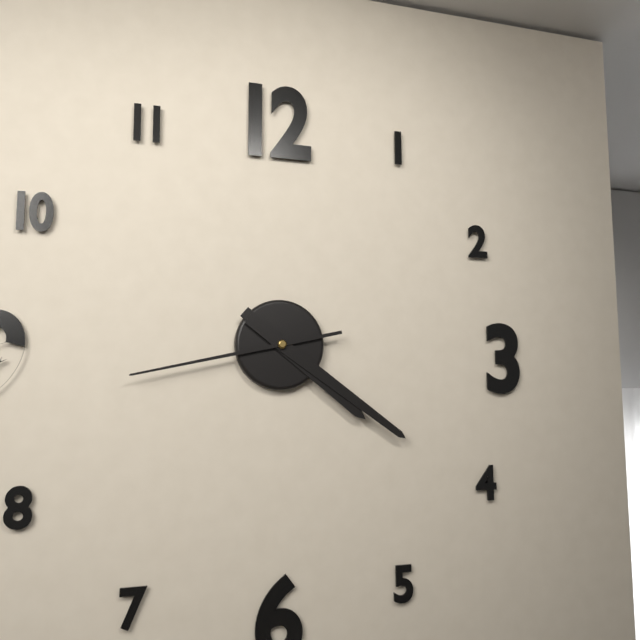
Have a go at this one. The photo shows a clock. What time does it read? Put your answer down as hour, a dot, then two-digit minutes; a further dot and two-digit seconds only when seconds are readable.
4.21.43
